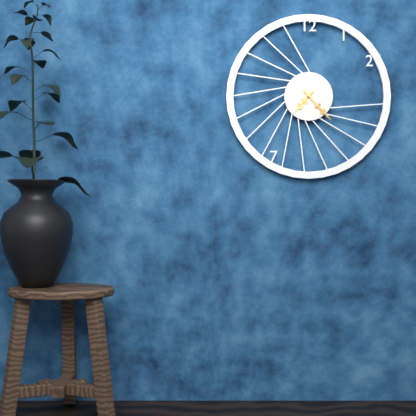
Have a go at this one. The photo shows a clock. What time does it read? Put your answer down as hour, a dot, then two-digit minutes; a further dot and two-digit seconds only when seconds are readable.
7.23
